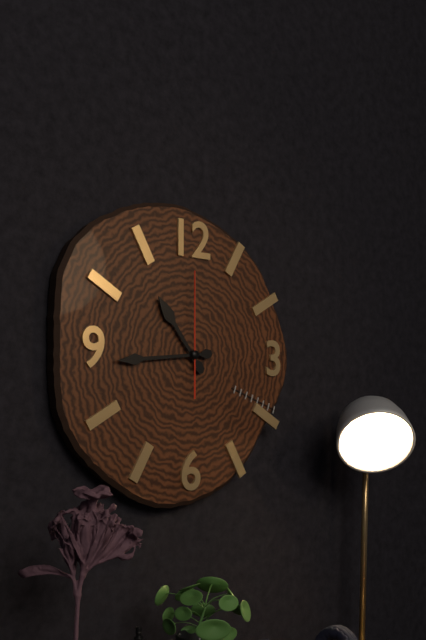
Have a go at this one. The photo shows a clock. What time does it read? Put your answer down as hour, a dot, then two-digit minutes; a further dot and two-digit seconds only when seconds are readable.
10.44.00
